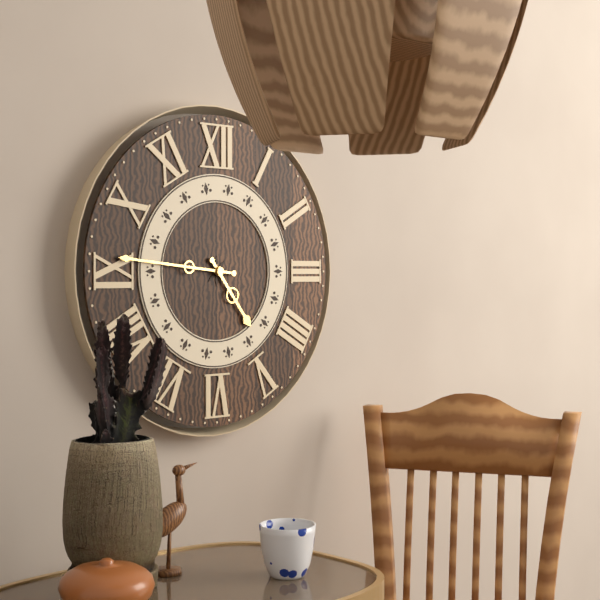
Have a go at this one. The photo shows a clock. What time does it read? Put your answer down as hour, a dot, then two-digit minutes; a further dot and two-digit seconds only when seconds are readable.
4.46
